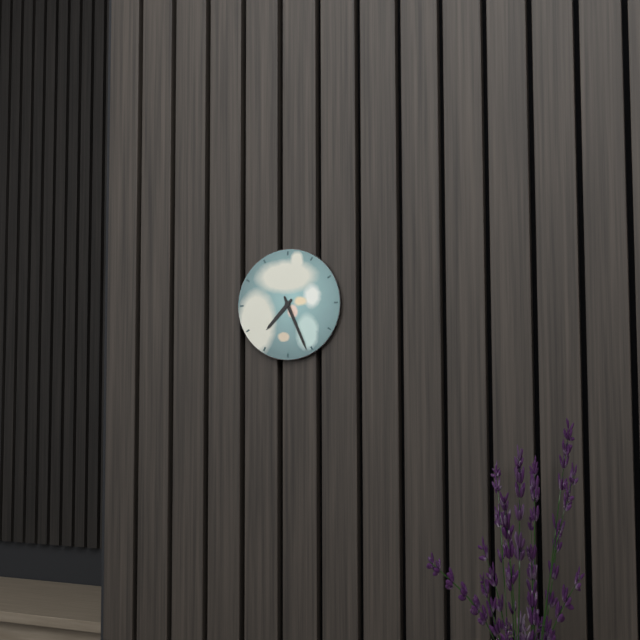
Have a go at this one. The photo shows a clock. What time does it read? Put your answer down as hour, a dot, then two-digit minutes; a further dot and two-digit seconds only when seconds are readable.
7.26
